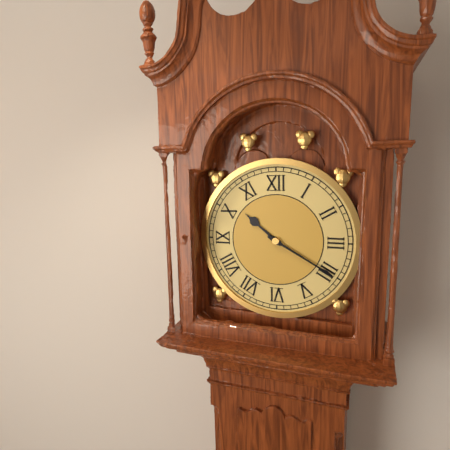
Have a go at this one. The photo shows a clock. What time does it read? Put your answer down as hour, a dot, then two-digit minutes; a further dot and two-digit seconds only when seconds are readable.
10.20
